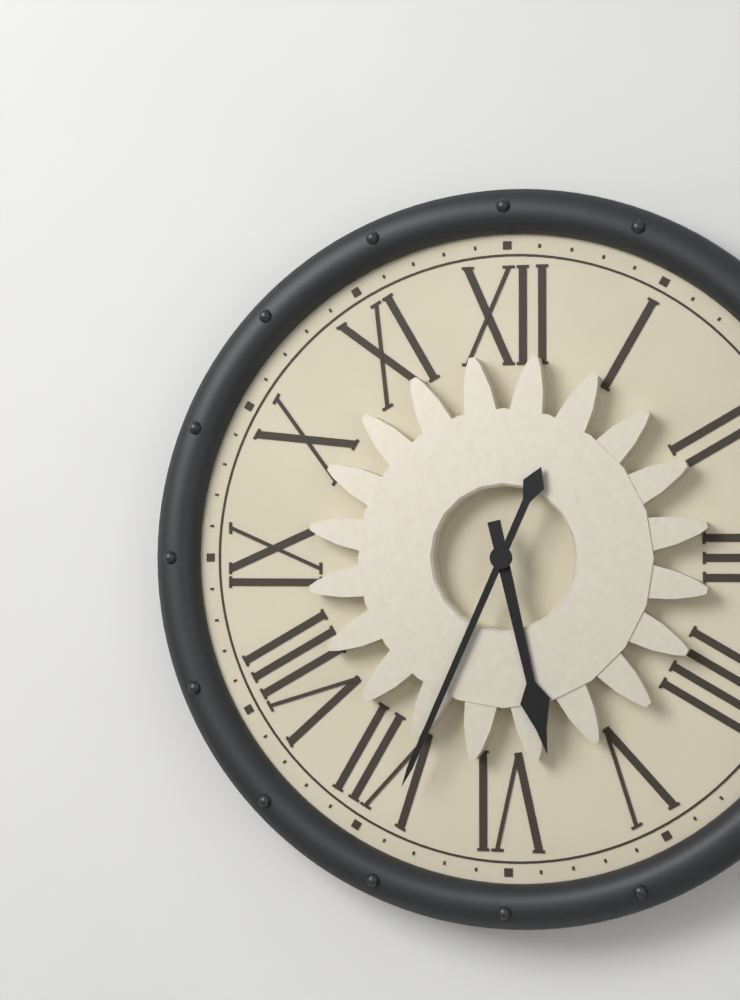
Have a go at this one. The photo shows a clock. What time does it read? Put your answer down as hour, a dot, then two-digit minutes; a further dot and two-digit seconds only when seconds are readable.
5.34
